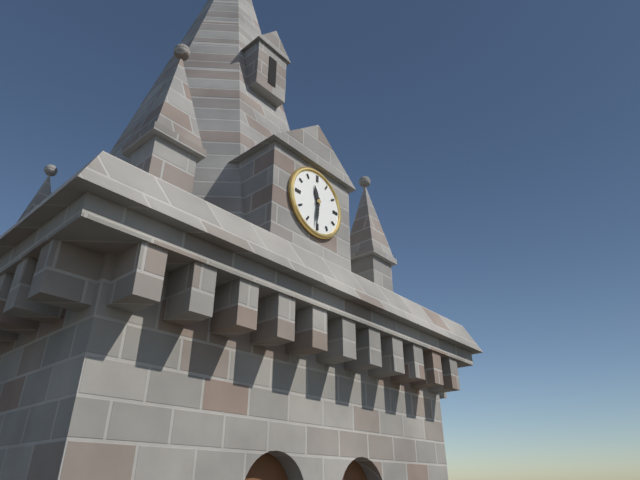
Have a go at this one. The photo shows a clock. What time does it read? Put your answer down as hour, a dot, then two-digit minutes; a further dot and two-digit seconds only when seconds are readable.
11.31
